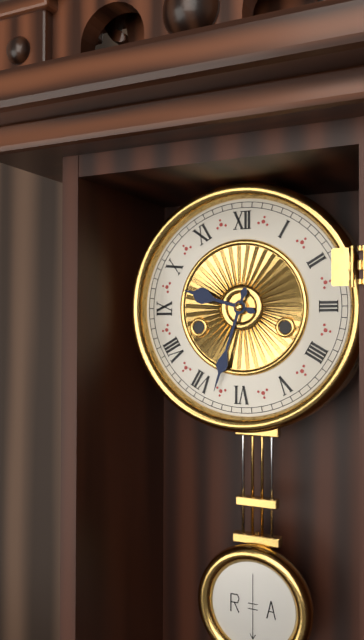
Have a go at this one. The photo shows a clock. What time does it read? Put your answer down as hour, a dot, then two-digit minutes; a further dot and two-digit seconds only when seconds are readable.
9.33
